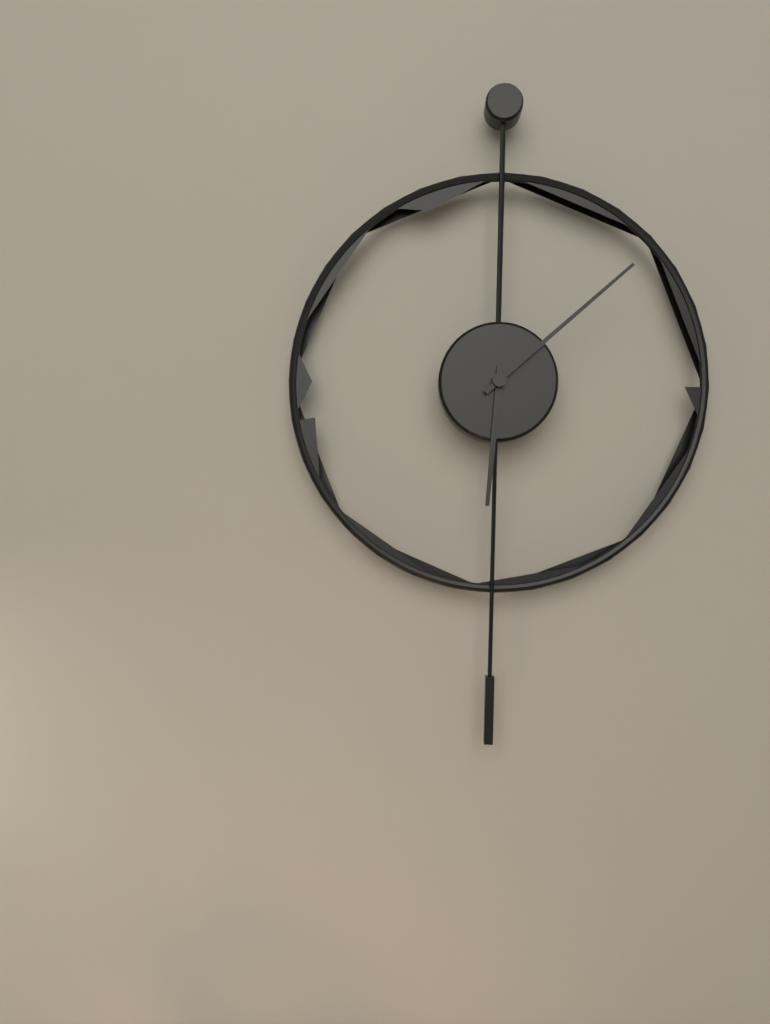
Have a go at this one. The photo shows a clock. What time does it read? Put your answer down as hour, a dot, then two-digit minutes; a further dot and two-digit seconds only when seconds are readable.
6.08
